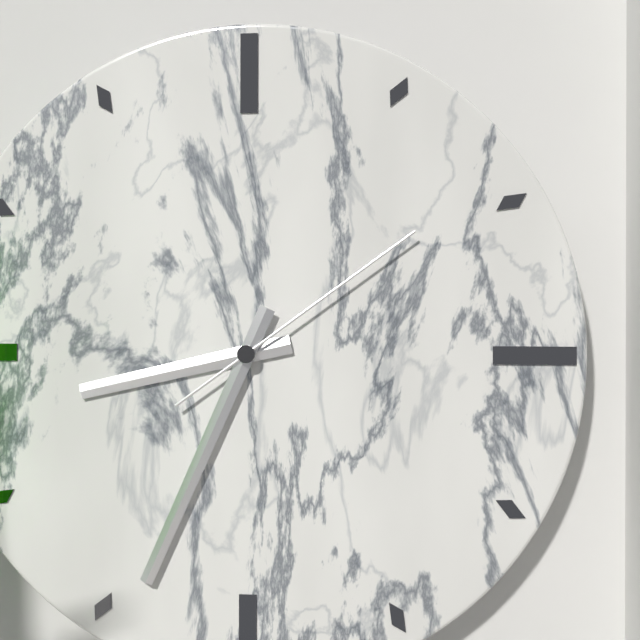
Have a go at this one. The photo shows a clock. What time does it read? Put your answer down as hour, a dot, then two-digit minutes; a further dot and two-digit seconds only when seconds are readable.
8.34.09
